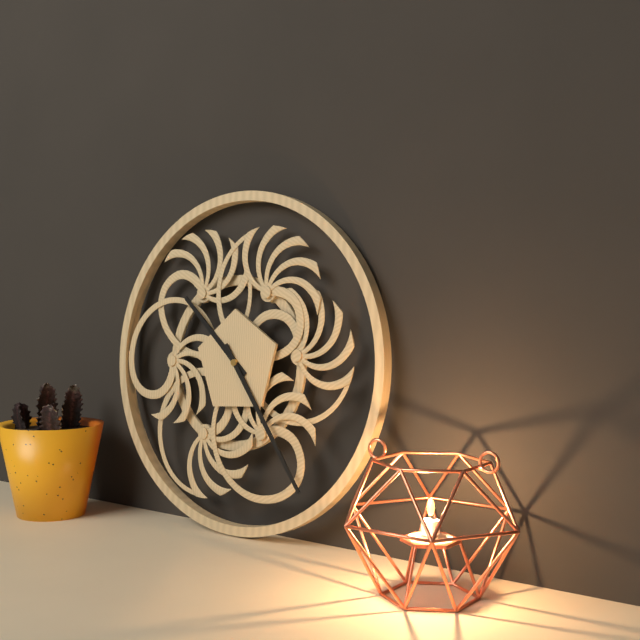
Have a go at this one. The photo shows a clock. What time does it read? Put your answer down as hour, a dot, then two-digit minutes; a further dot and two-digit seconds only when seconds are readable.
10.24
